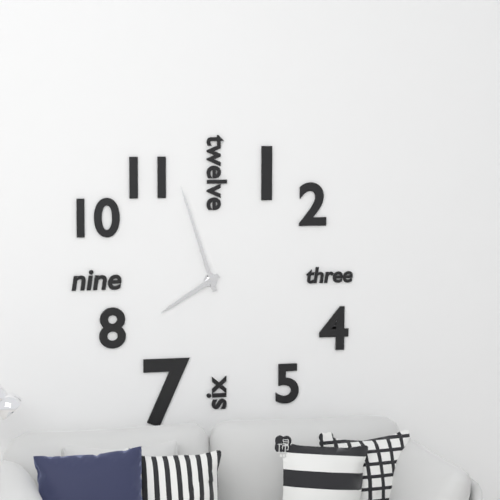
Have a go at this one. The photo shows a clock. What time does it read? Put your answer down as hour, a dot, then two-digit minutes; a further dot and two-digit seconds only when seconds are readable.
7.57
